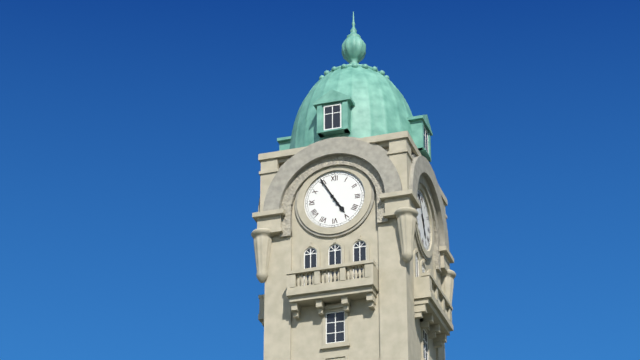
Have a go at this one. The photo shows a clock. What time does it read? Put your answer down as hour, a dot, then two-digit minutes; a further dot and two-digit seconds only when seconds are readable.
4.55
